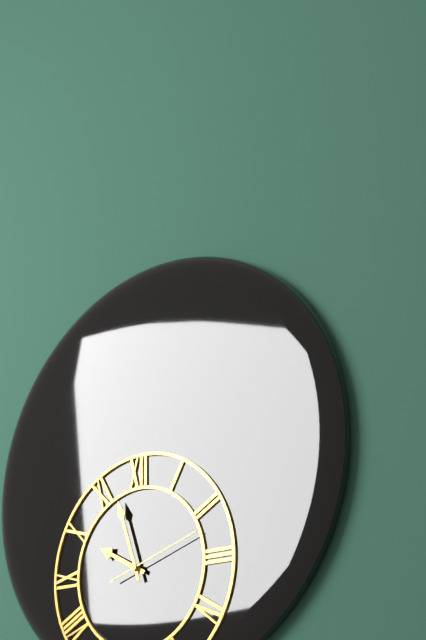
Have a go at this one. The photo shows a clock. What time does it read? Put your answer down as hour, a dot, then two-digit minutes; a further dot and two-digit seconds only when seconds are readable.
9.57.12
